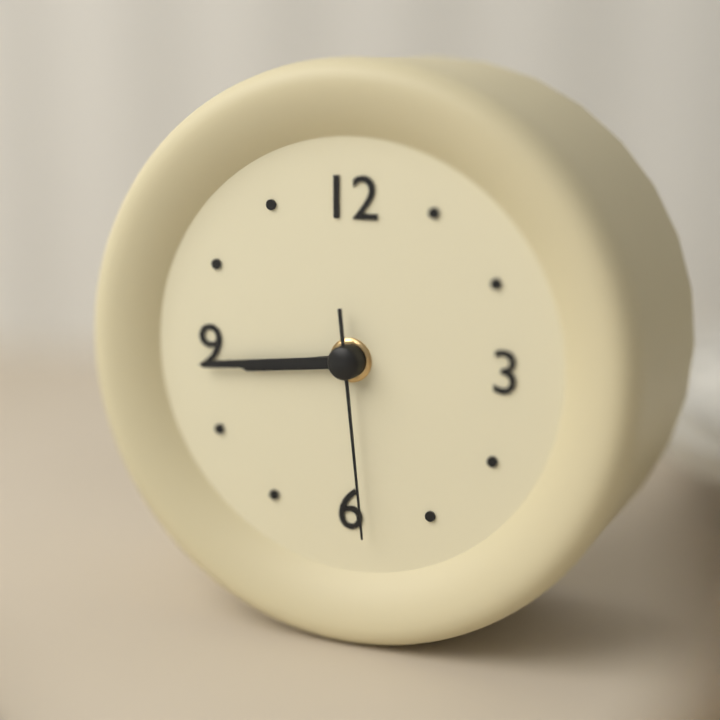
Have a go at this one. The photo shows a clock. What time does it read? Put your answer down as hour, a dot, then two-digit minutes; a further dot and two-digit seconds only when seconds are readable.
8.44.29
